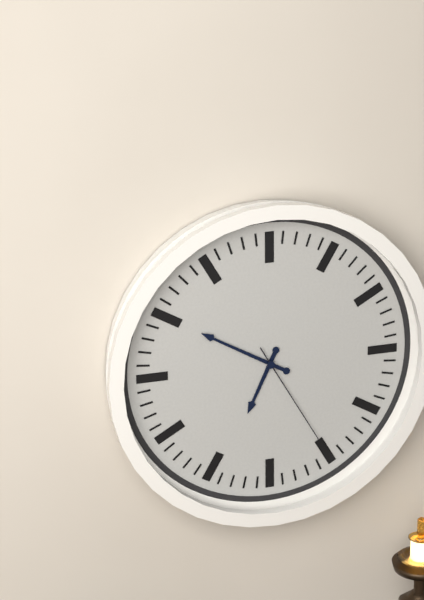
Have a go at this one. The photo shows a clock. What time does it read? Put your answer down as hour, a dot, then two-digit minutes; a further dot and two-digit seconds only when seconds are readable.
6.50.25
